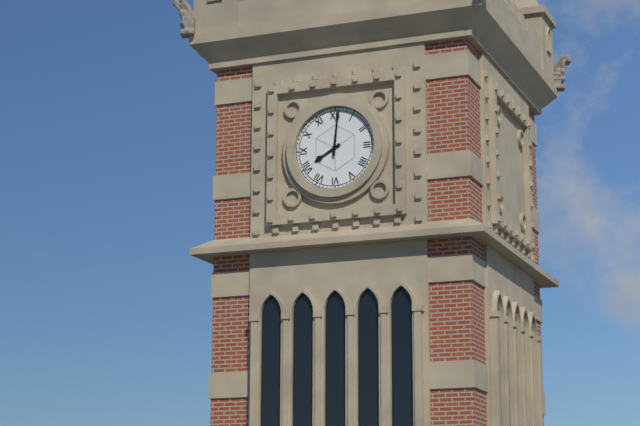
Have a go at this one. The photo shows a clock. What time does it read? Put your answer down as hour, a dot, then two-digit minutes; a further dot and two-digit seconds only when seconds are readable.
8.01
